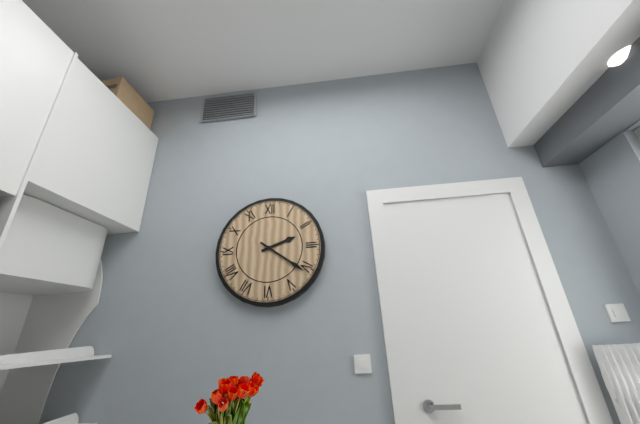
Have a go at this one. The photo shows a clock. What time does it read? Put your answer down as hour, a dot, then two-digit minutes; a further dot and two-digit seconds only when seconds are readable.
2.21
